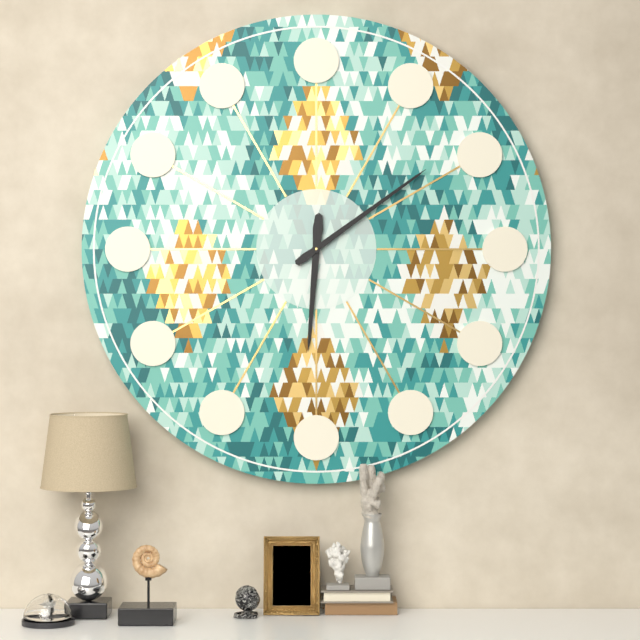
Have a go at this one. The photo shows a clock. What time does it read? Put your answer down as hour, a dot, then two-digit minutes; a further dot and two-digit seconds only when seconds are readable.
6.09
